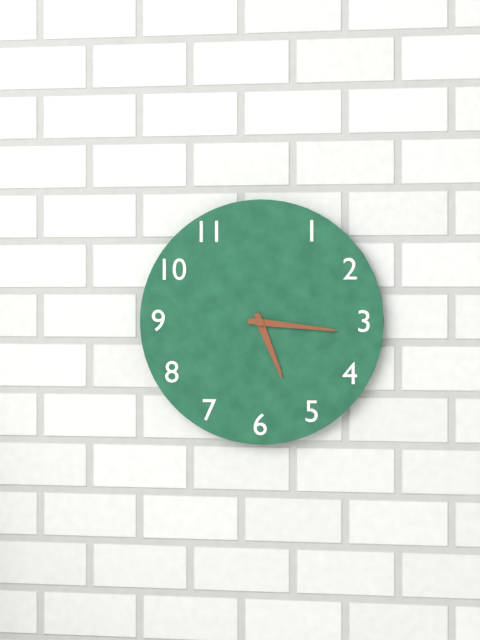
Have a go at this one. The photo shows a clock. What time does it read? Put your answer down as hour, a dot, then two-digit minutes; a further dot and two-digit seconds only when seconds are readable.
5.16
